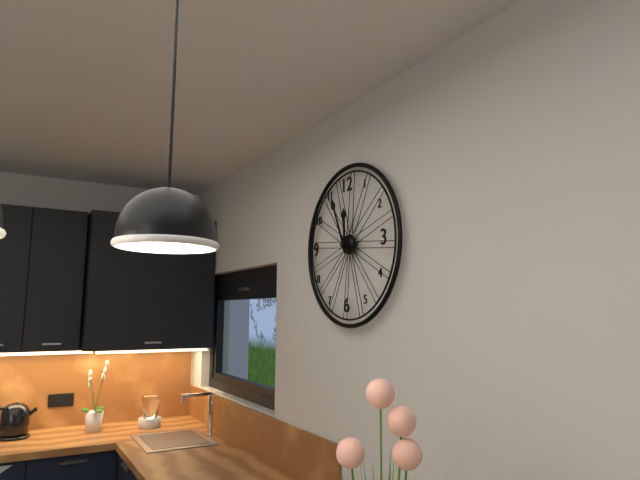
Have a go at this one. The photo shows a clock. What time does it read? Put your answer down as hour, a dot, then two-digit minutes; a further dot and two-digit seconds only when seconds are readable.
11.56
